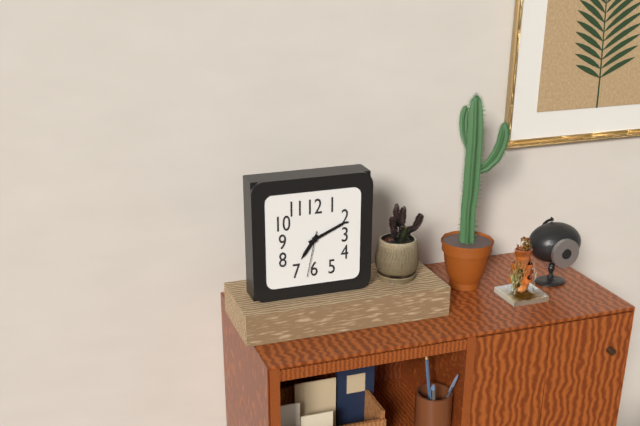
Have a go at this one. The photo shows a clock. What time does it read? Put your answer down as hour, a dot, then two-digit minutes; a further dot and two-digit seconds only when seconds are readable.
7.11
